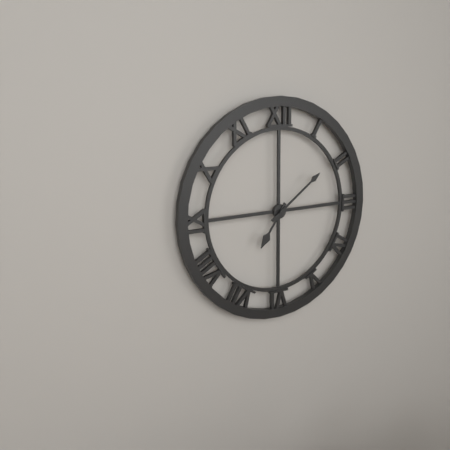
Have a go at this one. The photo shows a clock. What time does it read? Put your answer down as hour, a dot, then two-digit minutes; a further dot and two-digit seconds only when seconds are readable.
7.09
